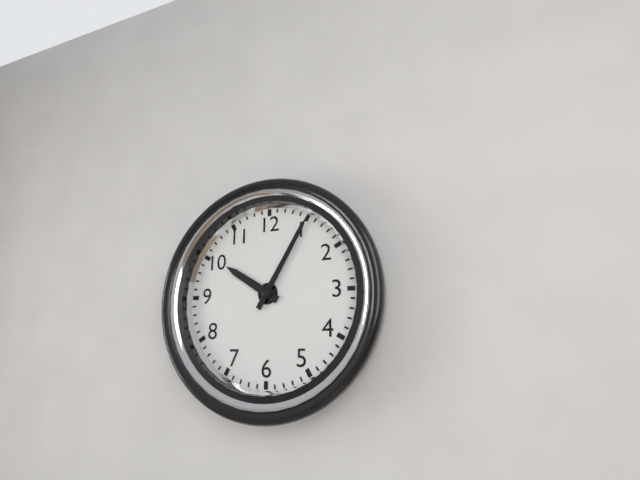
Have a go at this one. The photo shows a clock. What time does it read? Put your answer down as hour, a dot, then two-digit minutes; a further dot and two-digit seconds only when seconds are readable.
10.05
